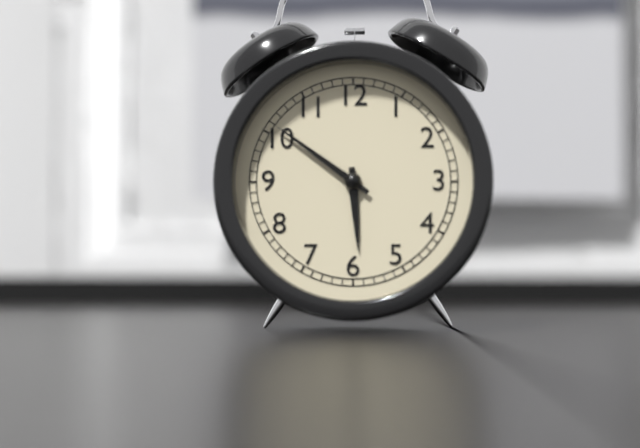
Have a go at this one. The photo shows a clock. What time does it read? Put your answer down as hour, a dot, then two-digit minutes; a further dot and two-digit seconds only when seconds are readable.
5.51
